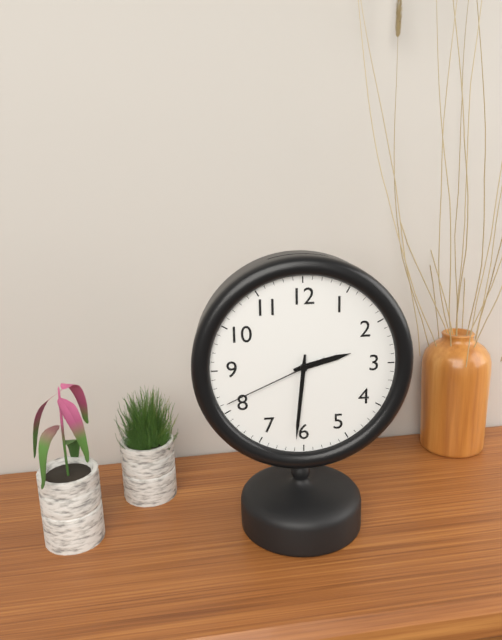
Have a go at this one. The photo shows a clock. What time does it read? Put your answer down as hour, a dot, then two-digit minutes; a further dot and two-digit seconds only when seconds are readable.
2.31.41
